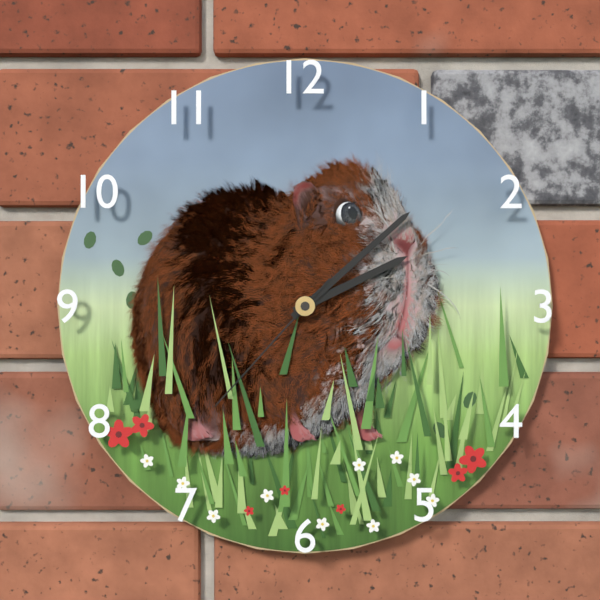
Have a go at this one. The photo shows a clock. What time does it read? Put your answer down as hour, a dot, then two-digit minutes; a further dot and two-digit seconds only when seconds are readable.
2.08.37
